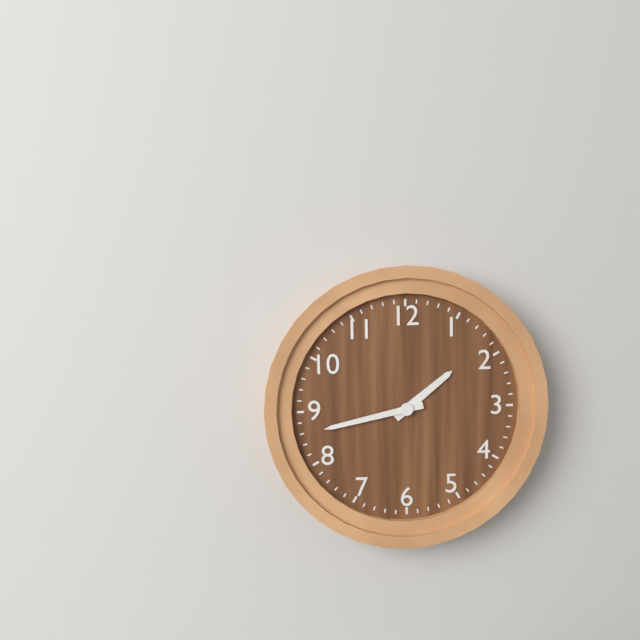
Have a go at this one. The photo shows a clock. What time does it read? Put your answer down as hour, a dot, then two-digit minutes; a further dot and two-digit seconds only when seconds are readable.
1.43
